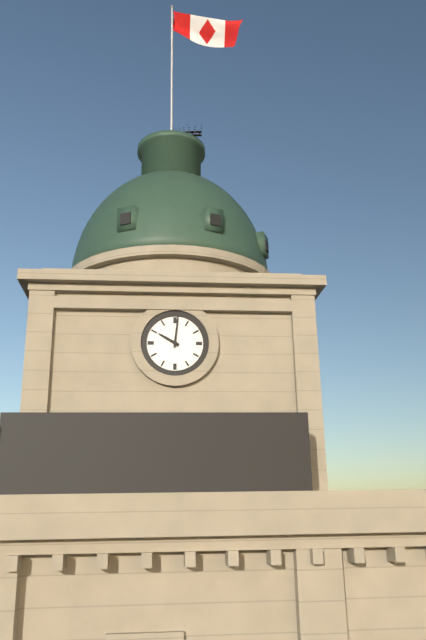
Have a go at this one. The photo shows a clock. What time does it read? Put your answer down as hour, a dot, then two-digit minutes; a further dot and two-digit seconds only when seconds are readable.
10.01
